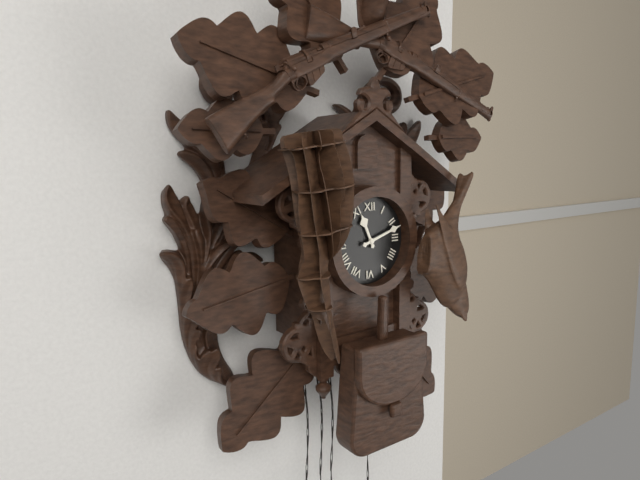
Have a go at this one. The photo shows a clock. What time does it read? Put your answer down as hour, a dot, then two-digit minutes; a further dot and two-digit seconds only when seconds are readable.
11.12
